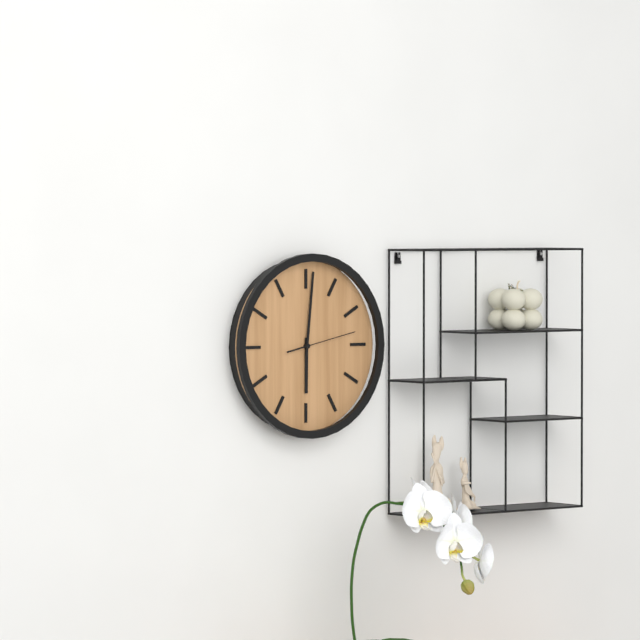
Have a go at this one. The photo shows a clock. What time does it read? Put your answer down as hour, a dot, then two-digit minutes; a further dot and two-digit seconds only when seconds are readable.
6.01.13
